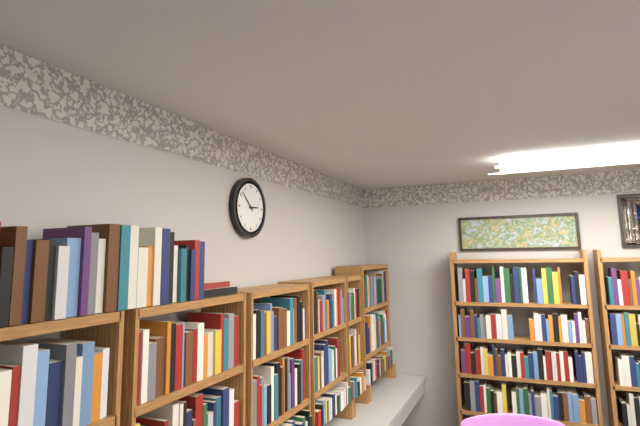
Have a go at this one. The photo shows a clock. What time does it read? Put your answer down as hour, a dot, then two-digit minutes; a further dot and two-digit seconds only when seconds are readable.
2.52
